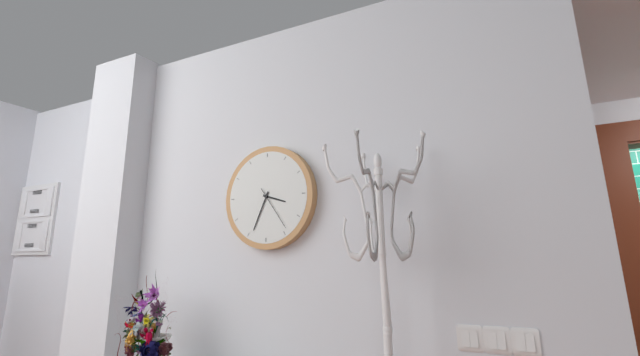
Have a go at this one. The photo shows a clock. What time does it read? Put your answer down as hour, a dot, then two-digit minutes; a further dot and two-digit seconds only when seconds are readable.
3.34
